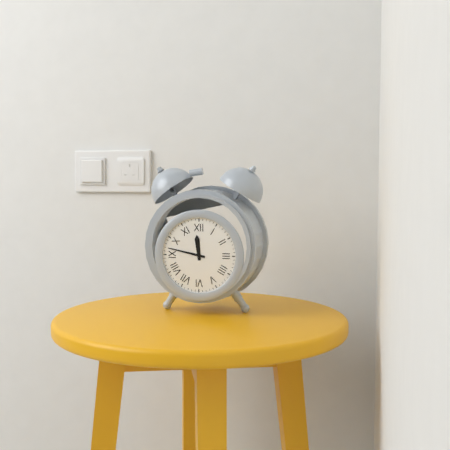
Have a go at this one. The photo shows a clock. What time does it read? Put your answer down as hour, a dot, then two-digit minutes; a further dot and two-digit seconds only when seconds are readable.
11.47
